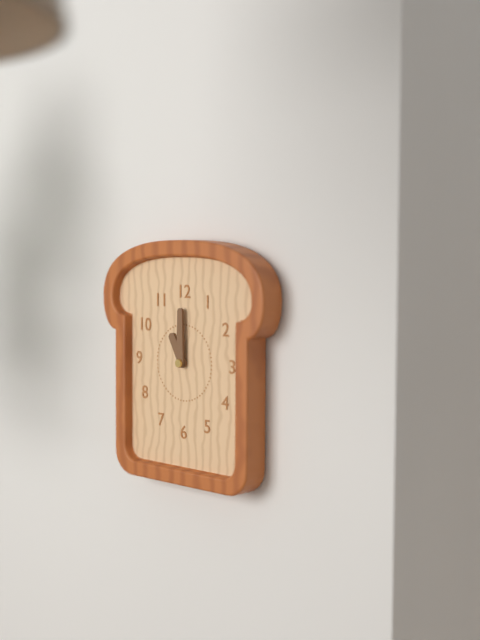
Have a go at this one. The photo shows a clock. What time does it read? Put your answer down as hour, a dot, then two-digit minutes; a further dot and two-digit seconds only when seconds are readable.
11.00
